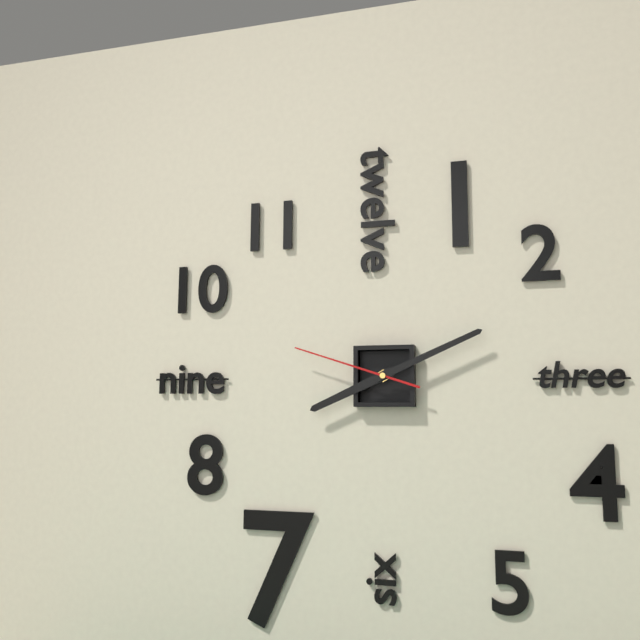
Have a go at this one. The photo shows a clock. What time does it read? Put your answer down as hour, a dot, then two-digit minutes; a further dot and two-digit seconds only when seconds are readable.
8.11.48
